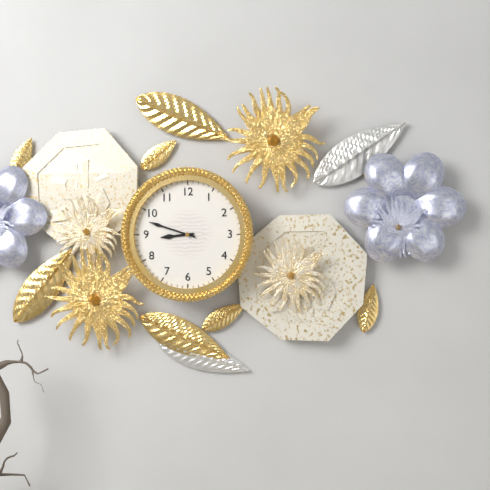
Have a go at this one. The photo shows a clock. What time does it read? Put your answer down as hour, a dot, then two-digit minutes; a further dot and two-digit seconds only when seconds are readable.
8.48
